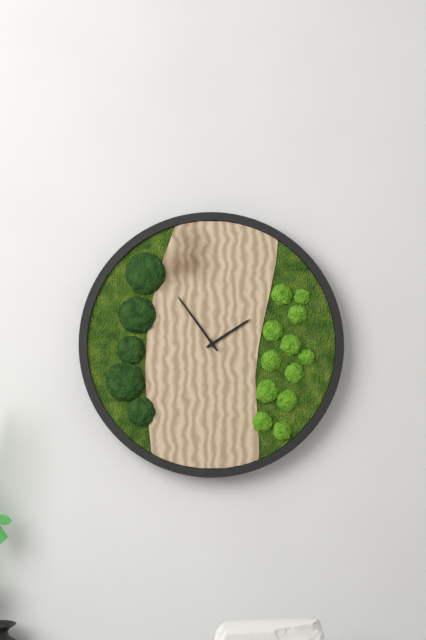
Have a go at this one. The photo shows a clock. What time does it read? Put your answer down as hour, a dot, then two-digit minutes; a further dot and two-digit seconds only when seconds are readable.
1.54
